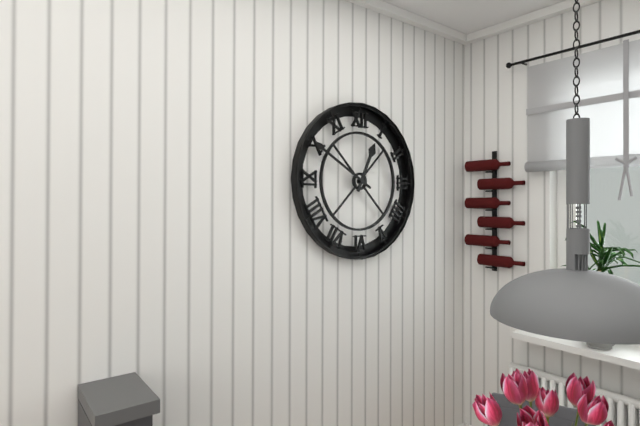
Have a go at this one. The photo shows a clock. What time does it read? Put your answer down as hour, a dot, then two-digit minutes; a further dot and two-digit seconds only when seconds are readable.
12.50
